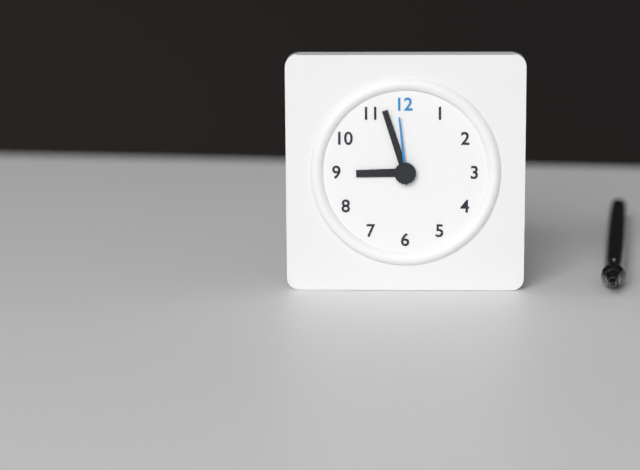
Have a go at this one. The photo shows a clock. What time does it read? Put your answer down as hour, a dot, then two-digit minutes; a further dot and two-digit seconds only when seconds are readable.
8.57.59
